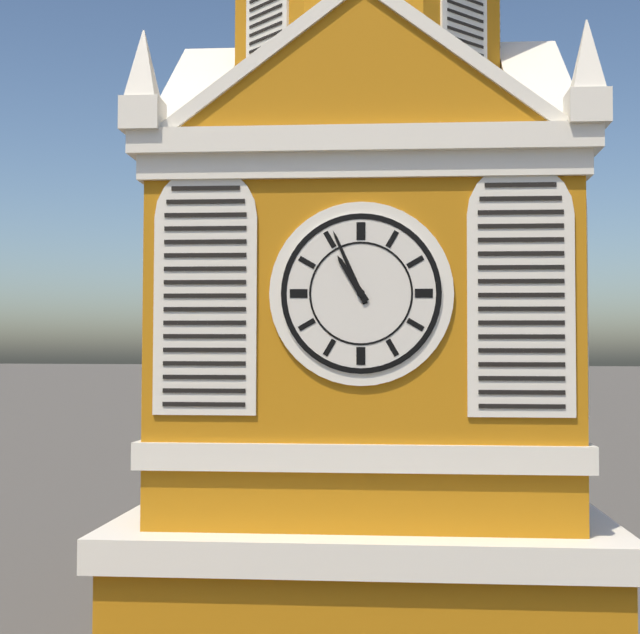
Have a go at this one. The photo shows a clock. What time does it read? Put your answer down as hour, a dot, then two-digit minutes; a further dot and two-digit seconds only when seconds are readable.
10.56
